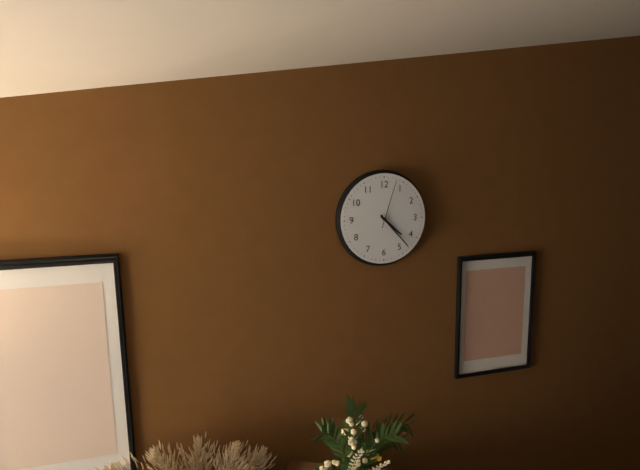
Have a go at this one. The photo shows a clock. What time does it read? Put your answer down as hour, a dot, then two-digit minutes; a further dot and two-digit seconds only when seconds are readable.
4.23.03
